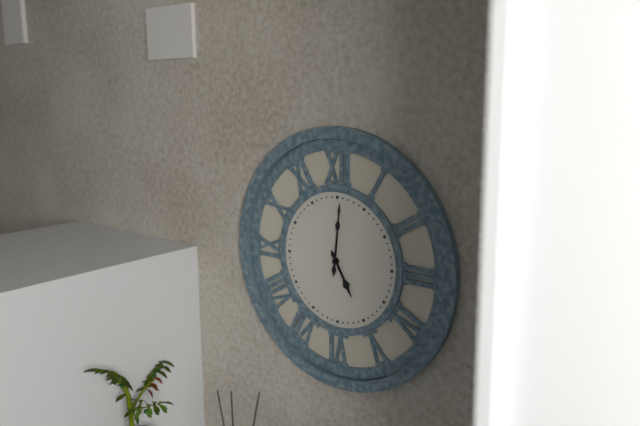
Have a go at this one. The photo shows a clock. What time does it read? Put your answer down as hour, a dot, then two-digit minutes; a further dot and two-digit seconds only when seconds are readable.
5.01
